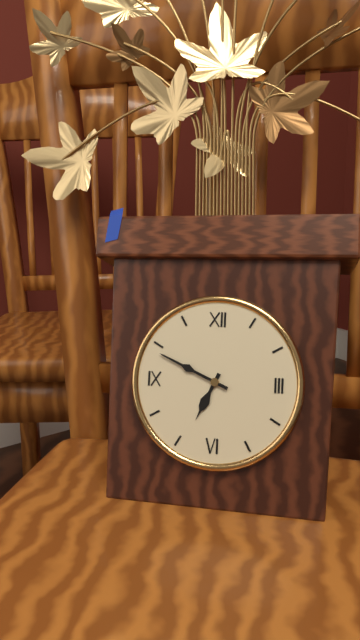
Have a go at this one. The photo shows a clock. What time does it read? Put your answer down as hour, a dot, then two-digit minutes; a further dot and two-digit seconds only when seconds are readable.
6.49
